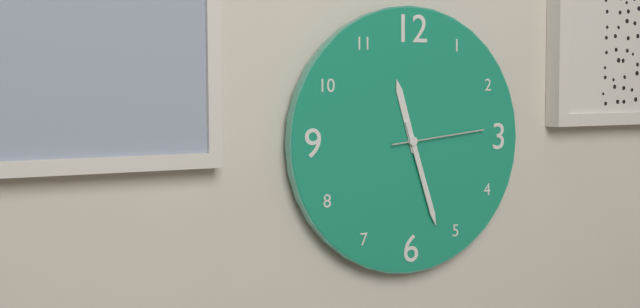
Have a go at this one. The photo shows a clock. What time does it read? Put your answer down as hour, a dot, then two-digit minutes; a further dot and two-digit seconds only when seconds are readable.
11.27.14
